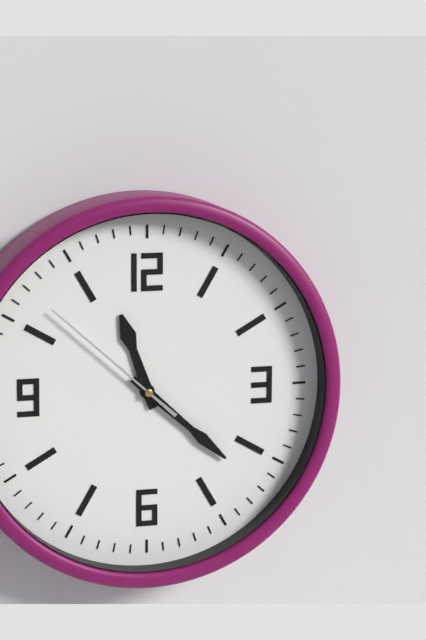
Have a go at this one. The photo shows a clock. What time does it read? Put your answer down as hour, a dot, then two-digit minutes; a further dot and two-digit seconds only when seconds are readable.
11.22.52
